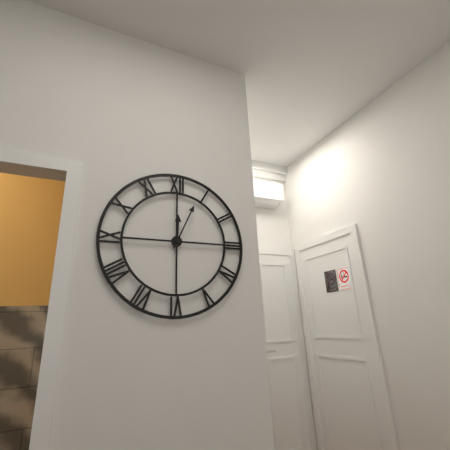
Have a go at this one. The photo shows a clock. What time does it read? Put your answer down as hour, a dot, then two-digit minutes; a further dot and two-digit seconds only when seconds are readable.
12.04
